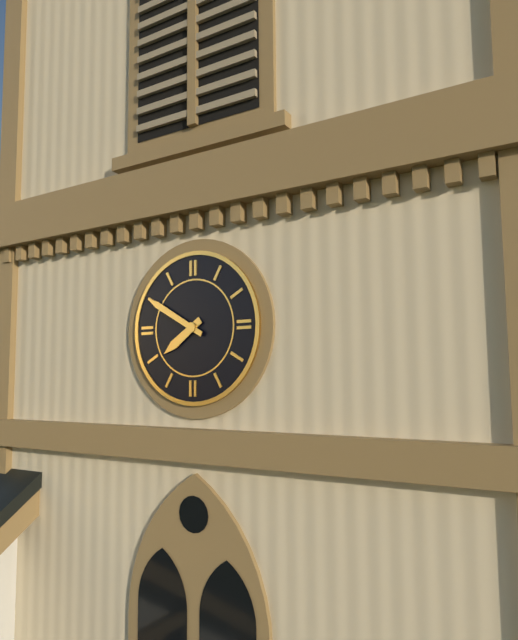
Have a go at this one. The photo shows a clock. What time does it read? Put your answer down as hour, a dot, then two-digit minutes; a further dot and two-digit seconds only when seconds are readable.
7.50
